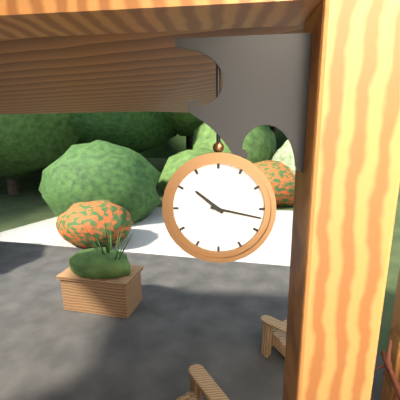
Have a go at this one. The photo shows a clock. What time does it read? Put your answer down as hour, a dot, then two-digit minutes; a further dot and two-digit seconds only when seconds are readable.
10.17
